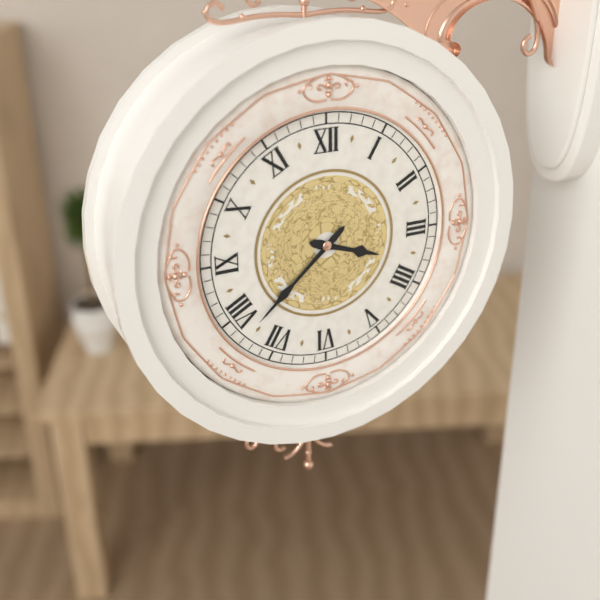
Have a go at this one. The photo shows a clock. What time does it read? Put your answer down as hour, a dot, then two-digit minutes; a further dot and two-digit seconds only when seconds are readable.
3.38
